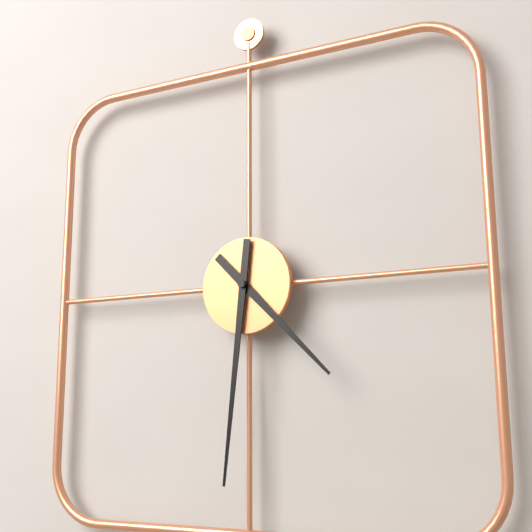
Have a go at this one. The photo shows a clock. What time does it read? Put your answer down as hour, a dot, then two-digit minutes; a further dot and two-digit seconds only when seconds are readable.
4.31
